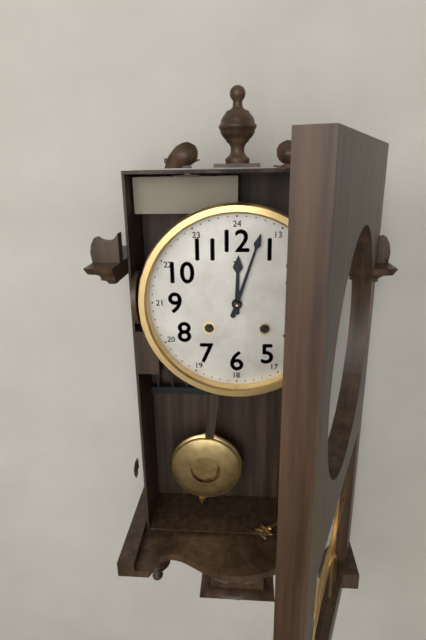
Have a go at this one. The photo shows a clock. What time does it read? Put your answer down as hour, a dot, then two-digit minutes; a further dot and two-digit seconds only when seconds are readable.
12.03
